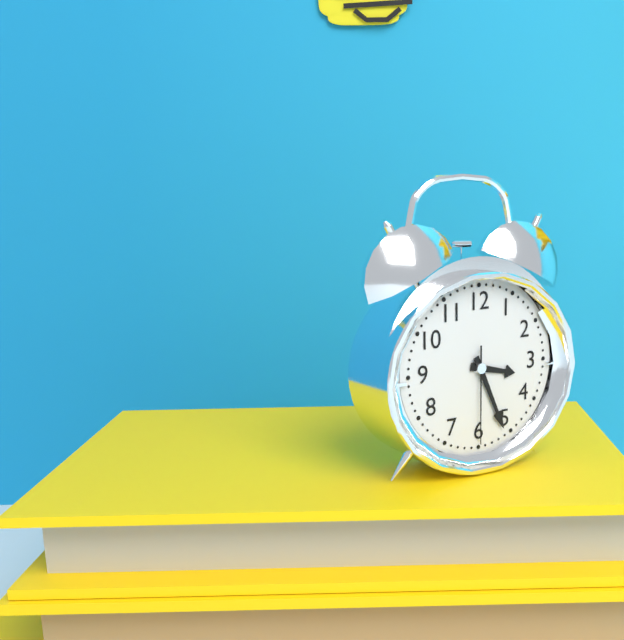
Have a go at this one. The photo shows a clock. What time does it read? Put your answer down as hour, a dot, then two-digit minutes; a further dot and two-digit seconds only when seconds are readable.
3.26.30
